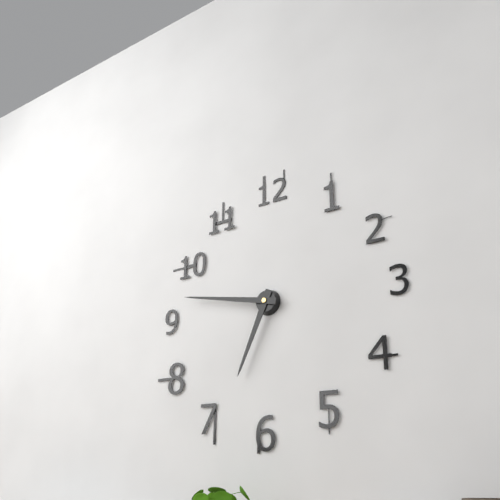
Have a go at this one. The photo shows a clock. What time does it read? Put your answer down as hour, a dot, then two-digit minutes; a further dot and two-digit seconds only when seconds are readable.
6.47
